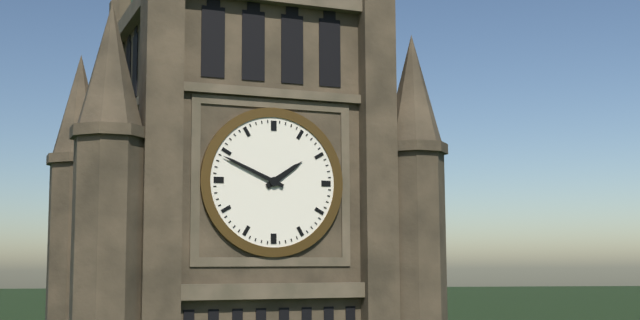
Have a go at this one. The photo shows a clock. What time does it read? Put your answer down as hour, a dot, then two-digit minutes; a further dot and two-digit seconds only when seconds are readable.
1.49
